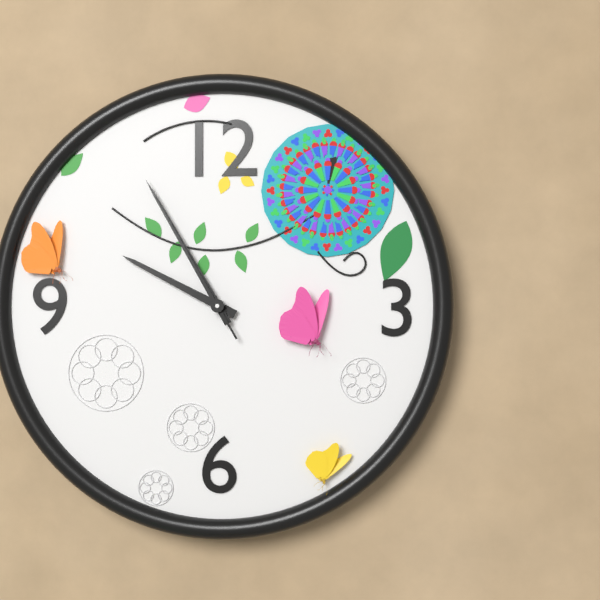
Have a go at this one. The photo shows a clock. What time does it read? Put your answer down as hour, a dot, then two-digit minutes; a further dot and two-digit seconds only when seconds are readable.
9.55.55
